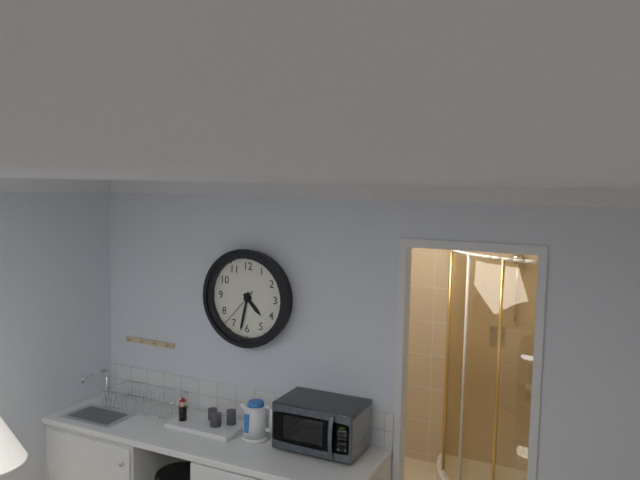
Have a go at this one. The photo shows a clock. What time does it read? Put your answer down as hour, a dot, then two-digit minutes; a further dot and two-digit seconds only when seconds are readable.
4.32
